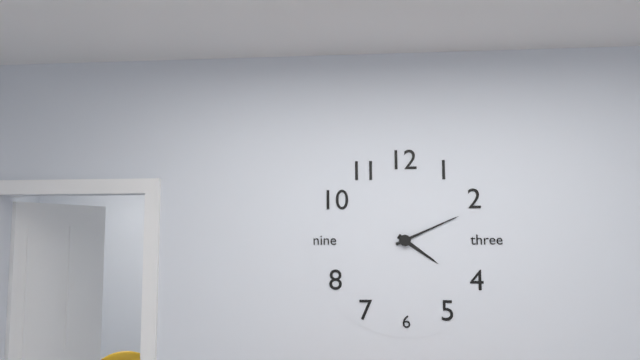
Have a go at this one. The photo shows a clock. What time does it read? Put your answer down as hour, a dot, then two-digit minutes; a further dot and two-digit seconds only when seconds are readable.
4.11
